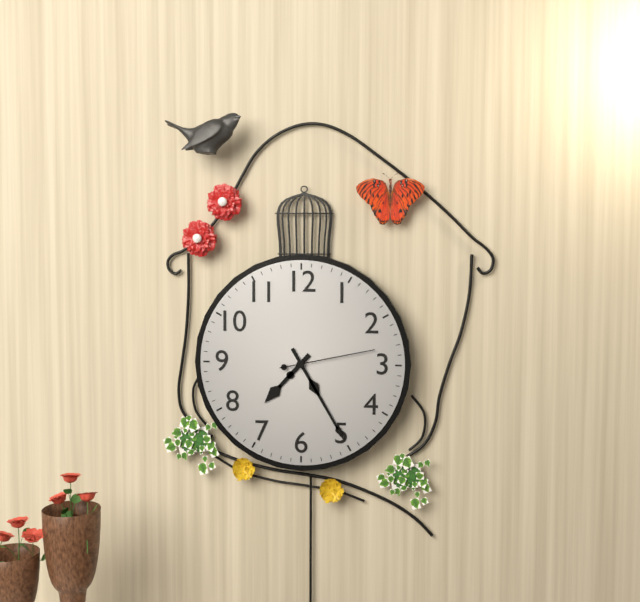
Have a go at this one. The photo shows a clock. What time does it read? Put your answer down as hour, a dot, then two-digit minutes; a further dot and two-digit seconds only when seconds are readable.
7.25.13
